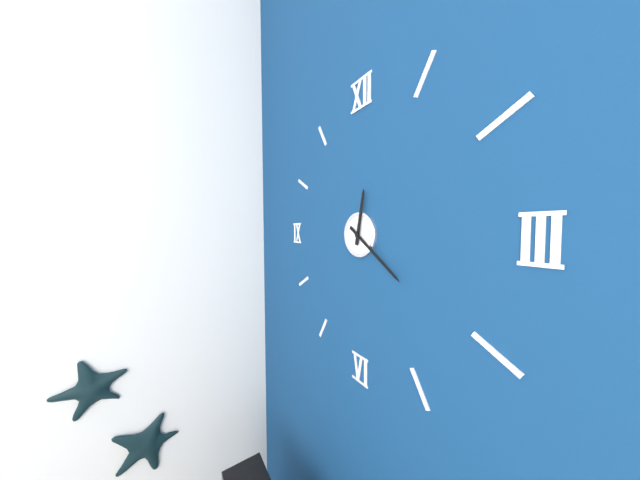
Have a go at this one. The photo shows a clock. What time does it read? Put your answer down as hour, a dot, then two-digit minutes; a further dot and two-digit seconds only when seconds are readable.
12.21
